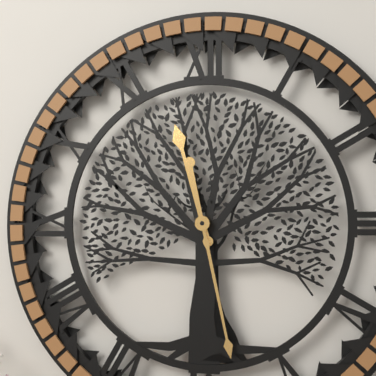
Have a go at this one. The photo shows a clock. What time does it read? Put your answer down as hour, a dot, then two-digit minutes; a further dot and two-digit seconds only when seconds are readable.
11.28
